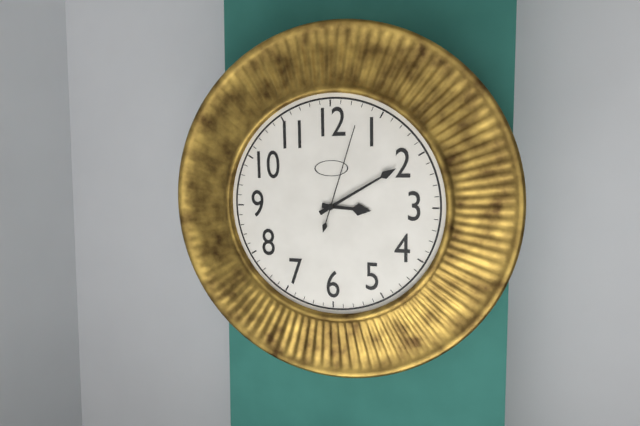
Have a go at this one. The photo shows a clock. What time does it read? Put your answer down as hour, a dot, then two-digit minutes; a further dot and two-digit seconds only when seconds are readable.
3.10.03
